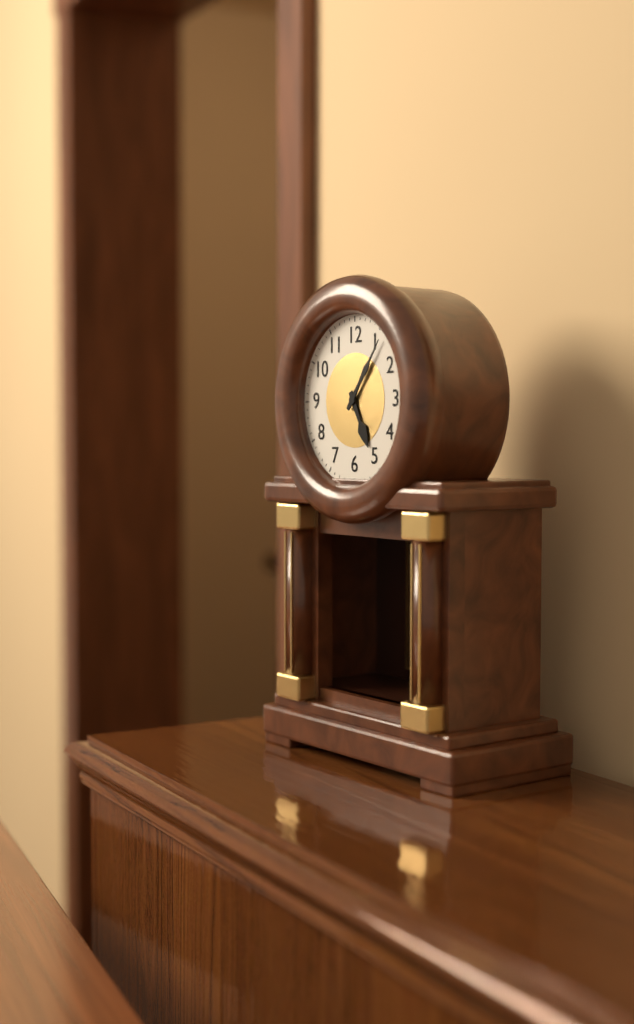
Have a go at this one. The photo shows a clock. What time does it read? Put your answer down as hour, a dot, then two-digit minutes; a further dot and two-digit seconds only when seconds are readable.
5.06
